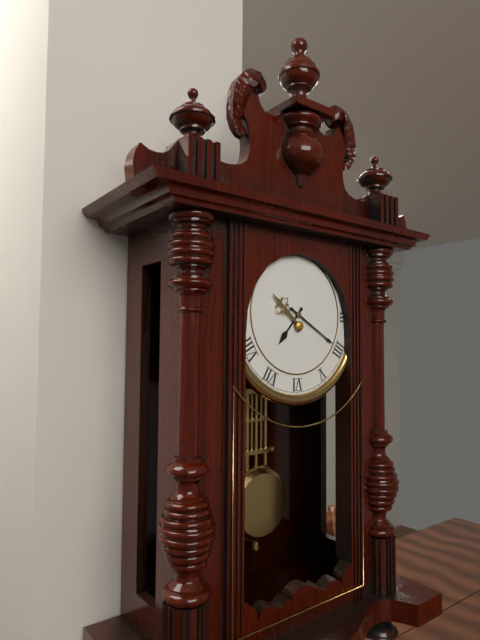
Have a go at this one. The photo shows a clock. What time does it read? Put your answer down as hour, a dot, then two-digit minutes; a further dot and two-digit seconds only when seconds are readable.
7.20
